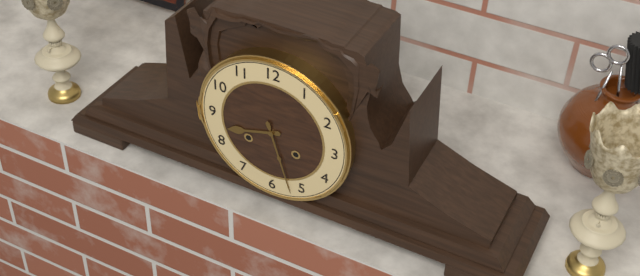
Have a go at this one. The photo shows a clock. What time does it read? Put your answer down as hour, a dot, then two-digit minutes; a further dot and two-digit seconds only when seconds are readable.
8.27
